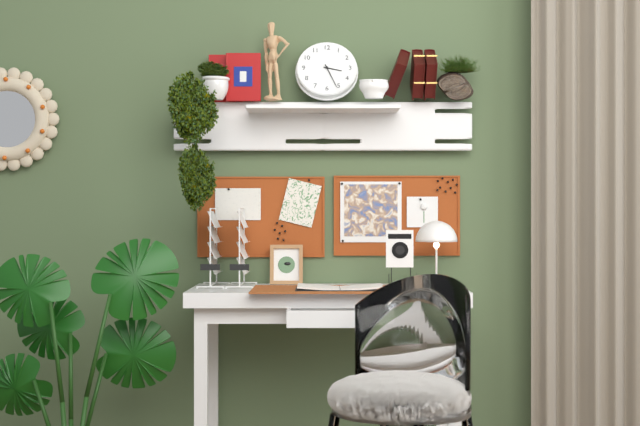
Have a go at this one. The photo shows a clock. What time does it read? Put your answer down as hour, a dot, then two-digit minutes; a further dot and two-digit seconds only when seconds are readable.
3.26
